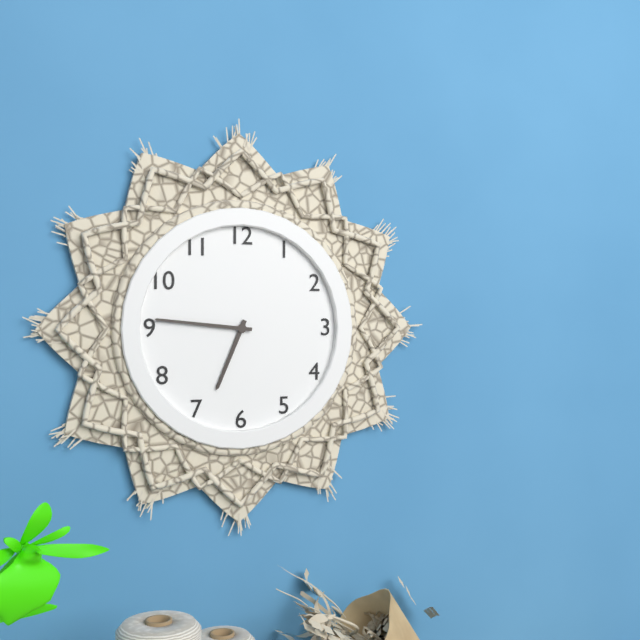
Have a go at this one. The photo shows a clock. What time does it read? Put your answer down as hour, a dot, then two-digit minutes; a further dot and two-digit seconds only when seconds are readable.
6.46
